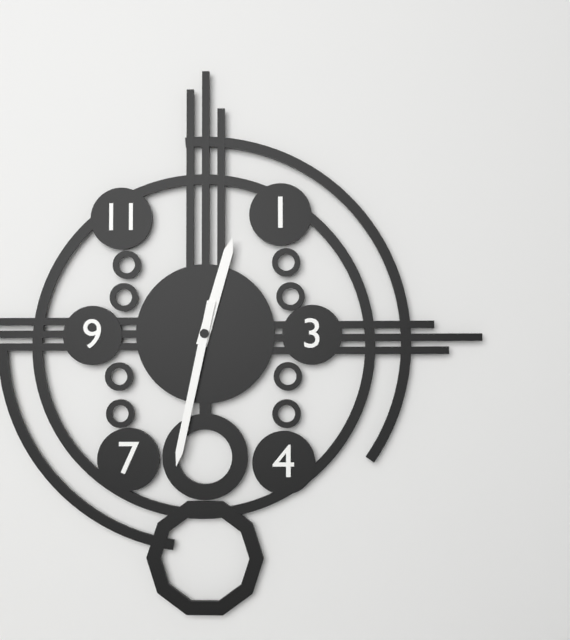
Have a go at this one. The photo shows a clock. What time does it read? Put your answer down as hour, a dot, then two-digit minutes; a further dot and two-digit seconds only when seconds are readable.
12.32
